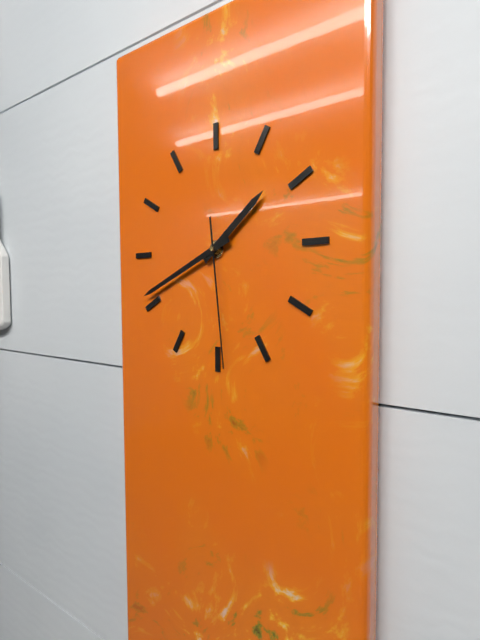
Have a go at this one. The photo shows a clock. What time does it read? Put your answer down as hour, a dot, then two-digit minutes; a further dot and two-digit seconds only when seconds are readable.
1.41.29
